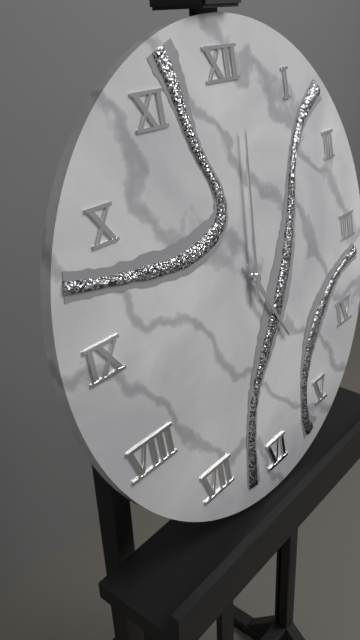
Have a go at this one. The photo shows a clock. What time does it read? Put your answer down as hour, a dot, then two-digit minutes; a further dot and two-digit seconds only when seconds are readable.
5.01
